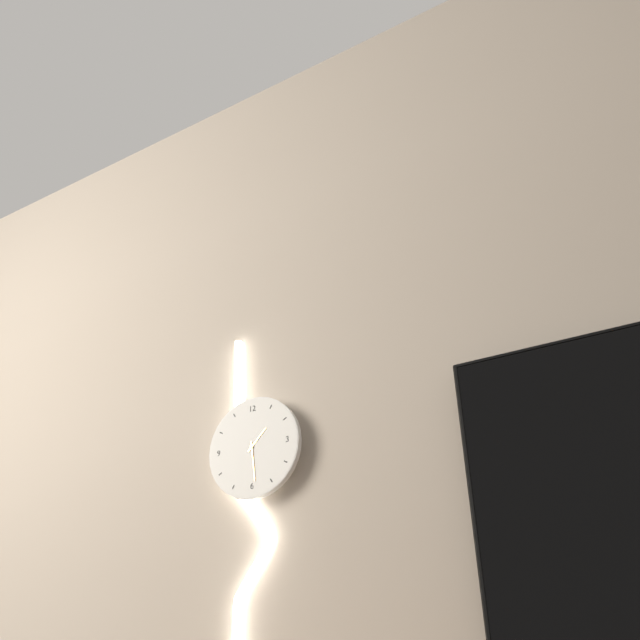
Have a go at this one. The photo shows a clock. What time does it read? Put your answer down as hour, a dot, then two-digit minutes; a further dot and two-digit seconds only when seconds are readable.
1.29
